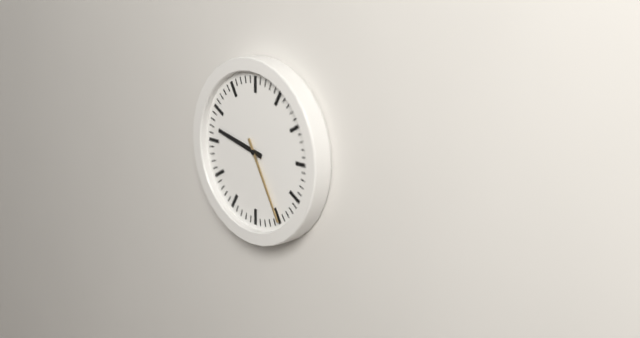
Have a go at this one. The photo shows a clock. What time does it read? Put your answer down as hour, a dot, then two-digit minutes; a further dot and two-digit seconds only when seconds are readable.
9.25
